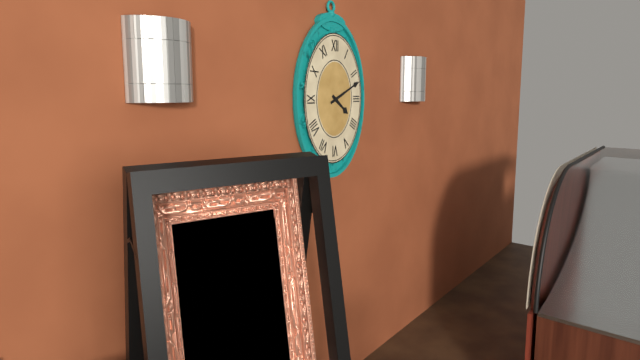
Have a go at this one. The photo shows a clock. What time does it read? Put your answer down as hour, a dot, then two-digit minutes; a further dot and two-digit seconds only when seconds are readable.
4.11
